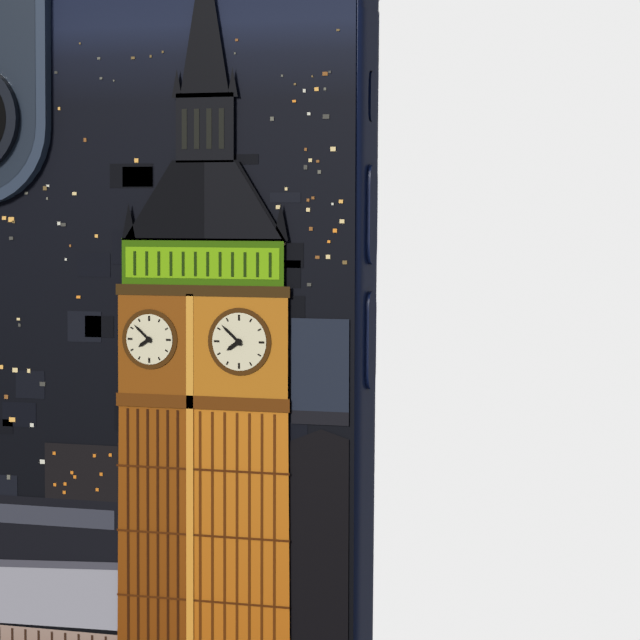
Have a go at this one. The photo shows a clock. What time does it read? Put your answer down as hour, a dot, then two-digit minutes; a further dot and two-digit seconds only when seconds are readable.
7.52
